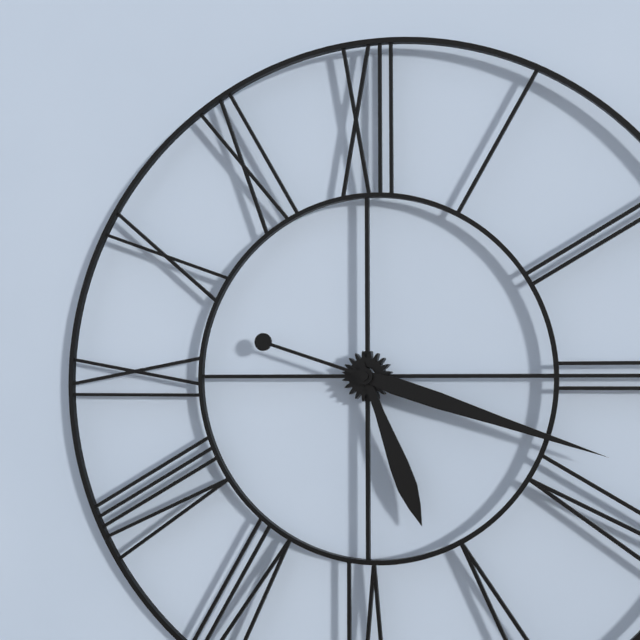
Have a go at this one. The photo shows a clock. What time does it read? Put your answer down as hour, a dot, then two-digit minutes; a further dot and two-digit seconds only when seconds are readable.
5.18
